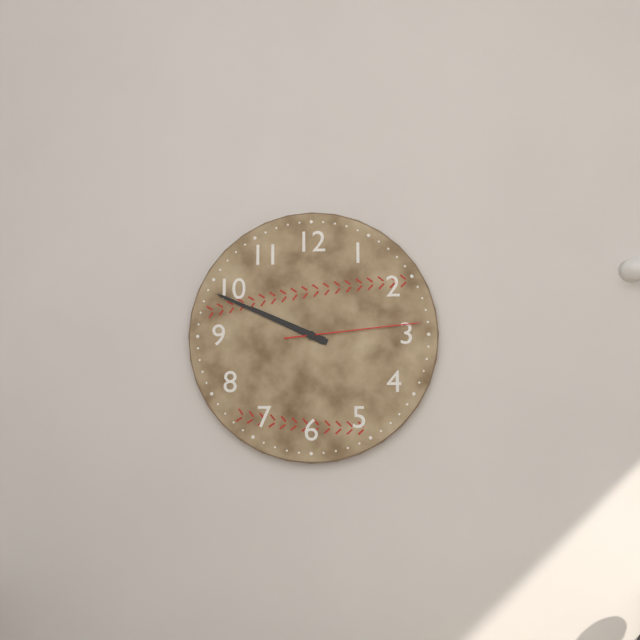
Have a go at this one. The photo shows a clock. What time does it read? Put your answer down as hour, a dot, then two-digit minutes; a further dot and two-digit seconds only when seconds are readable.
9.49.14
